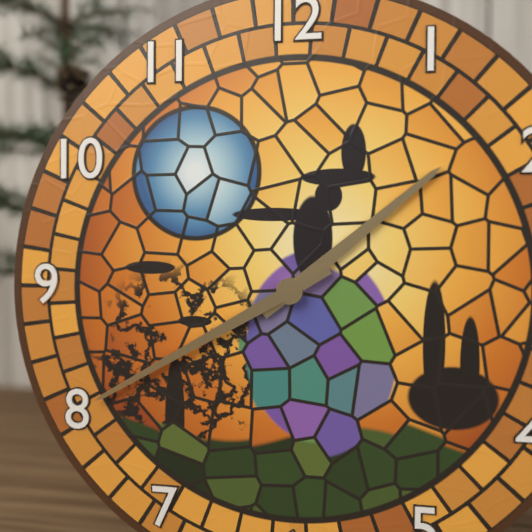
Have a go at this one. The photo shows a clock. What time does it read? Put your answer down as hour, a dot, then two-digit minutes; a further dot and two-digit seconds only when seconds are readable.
1.40
